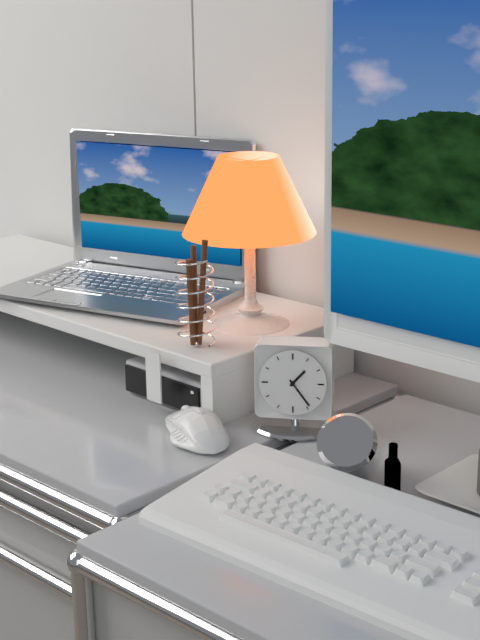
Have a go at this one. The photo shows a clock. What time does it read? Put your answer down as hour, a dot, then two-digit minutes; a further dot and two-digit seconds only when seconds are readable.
1.24
